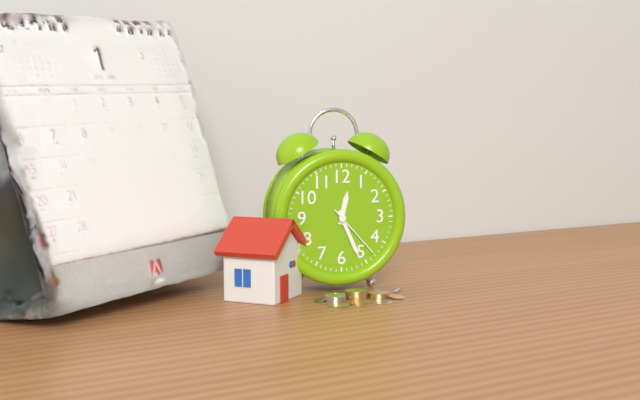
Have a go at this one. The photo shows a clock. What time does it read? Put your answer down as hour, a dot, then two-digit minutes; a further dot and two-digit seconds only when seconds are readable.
12.26.23
